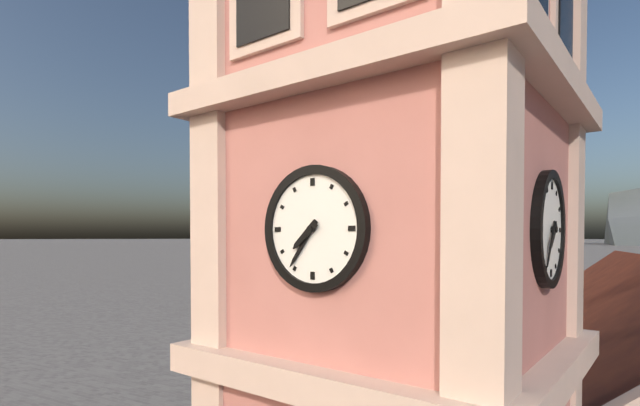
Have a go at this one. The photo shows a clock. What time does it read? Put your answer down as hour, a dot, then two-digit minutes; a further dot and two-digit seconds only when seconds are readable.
7.36
